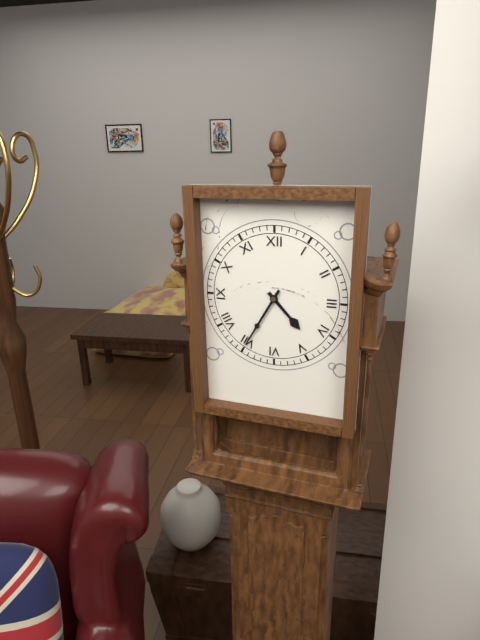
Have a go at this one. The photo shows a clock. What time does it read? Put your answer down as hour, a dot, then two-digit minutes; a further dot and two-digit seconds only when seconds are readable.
4.35
